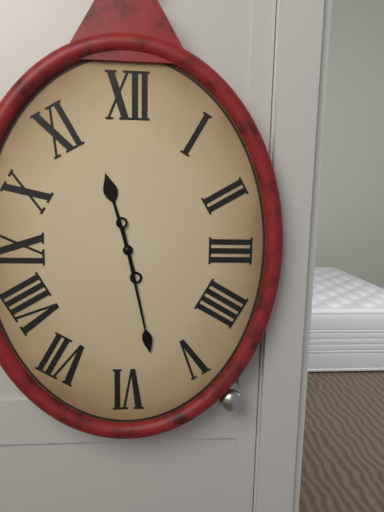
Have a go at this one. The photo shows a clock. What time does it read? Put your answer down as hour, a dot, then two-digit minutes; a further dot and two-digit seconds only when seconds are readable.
11.28
